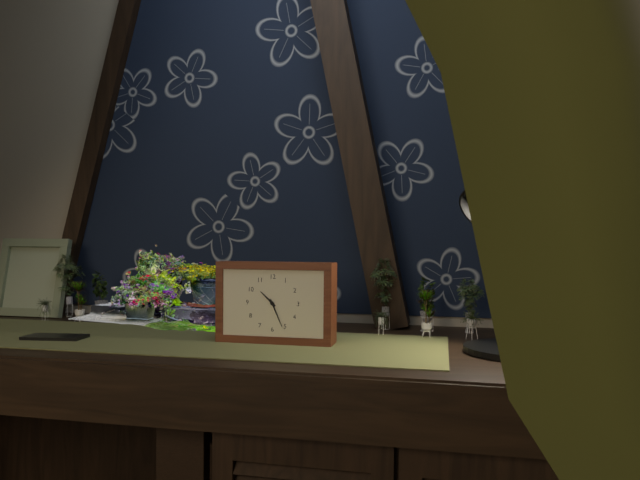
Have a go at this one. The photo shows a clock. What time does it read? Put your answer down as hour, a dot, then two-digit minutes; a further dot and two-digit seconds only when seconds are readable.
10.26
